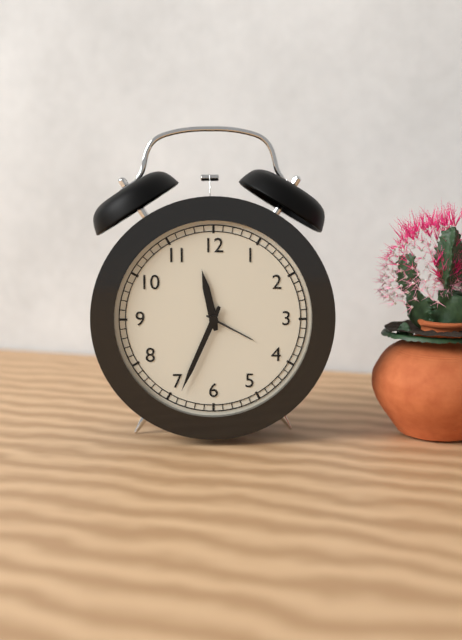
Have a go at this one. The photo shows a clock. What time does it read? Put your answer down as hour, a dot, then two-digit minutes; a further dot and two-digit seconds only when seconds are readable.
11.34
